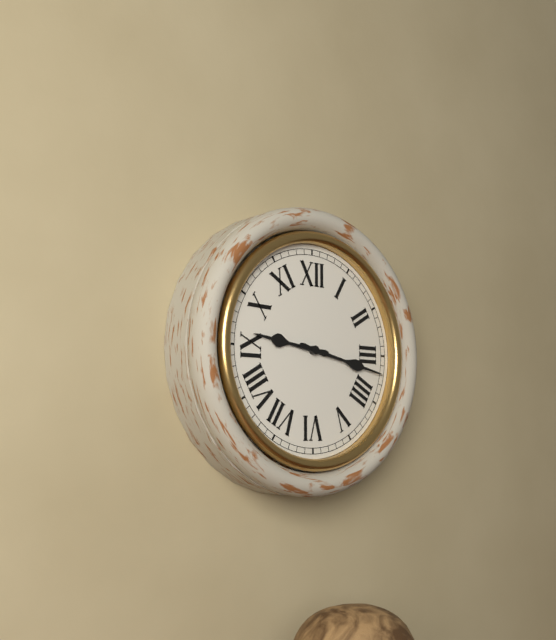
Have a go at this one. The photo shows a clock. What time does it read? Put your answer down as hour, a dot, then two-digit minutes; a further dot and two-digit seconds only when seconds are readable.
9.17
